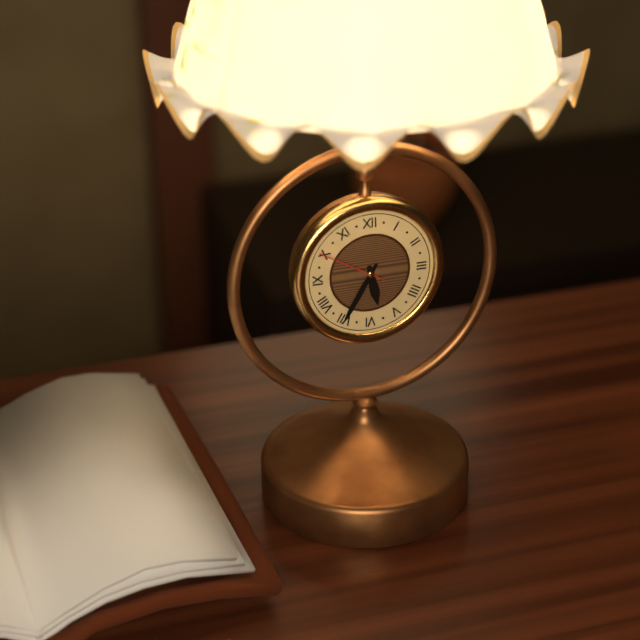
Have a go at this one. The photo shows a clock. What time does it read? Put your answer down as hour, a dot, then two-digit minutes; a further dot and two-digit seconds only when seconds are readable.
5.35.50
